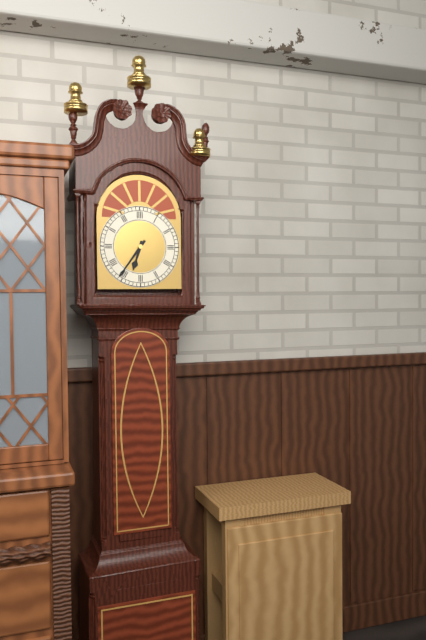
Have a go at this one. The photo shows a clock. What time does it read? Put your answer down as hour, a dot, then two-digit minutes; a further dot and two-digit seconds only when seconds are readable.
6.36
